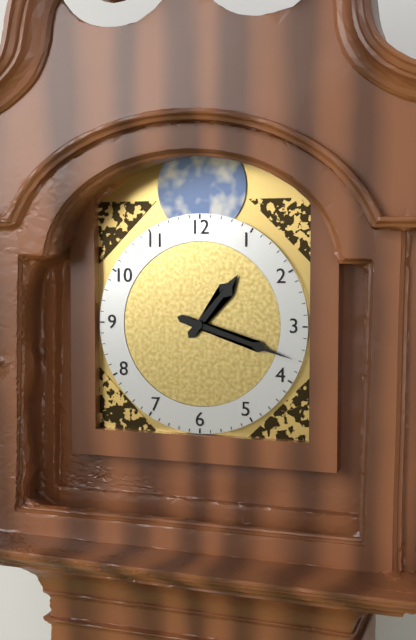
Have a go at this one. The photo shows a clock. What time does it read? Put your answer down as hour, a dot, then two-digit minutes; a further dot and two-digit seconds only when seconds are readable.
1.18
